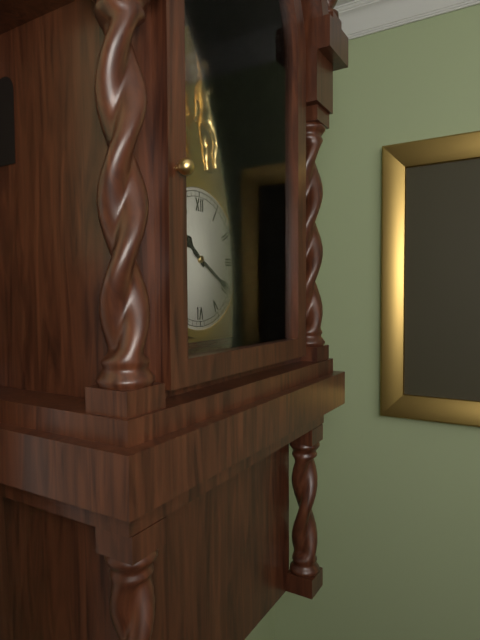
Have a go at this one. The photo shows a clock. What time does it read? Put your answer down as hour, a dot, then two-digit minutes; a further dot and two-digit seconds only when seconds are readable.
10.20
